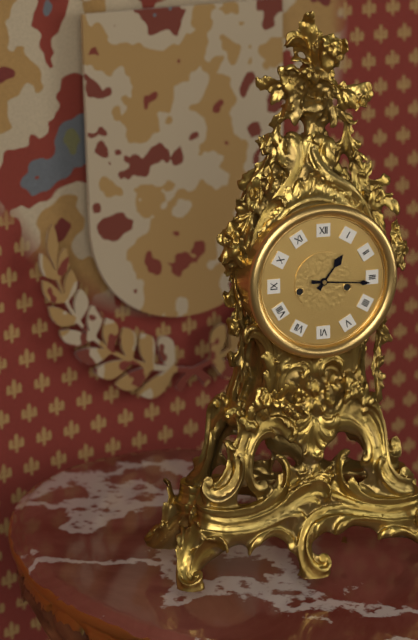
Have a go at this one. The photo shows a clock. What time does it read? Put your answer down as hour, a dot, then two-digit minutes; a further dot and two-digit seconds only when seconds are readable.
1.16
